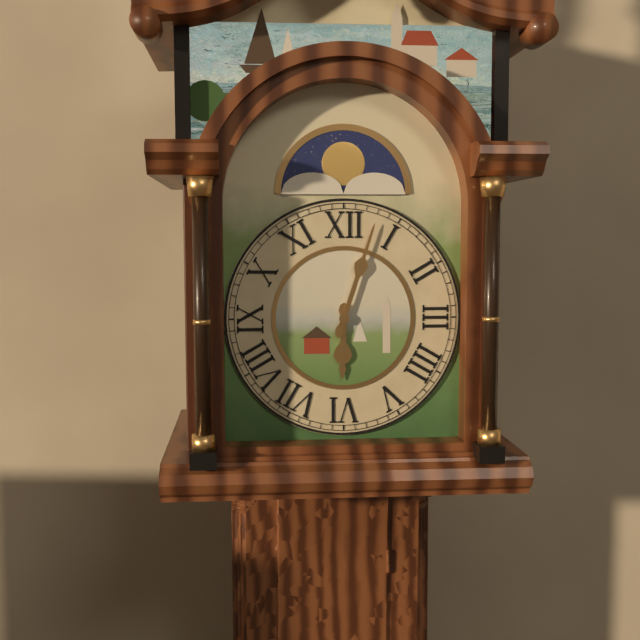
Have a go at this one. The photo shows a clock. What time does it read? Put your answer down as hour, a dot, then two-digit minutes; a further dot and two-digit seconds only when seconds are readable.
6.03
